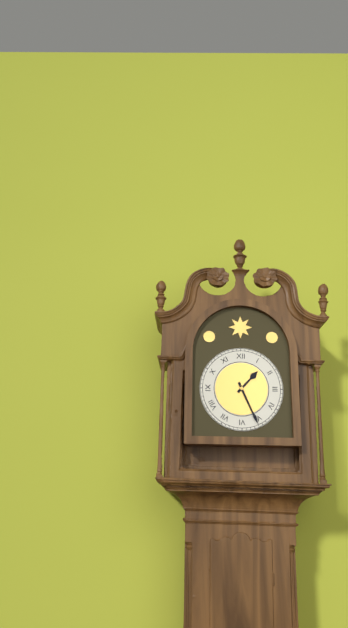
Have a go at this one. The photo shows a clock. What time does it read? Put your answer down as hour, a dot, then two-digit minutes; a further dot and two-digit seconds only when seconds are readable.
1.26
